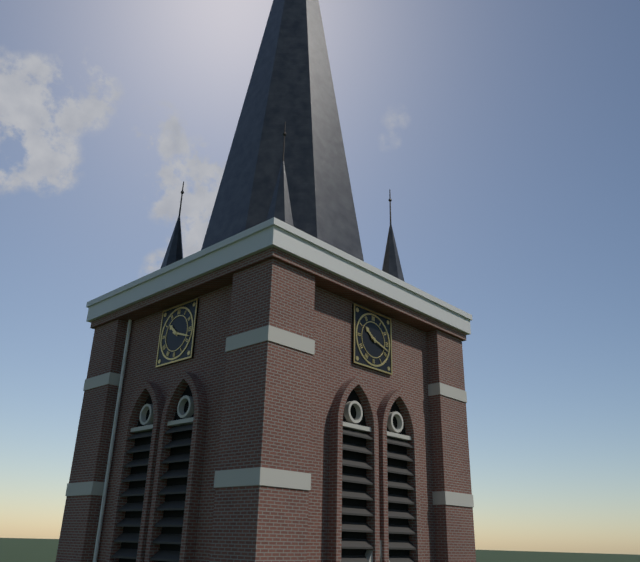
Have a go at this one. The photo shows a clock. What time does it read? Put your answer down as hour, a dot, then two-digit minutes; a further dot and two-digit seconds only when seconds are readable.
10.18
